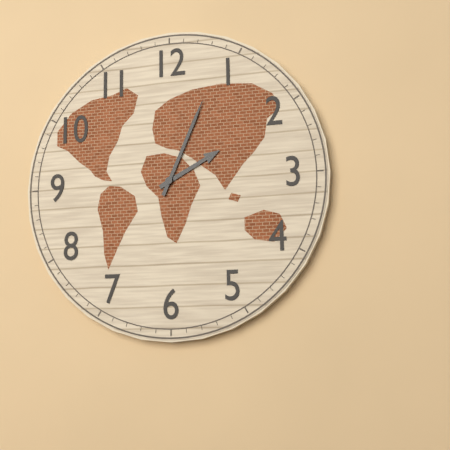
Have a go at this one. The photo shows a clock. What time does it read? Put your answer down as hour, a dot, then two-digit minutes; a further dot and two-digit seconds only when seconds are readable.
2.04
